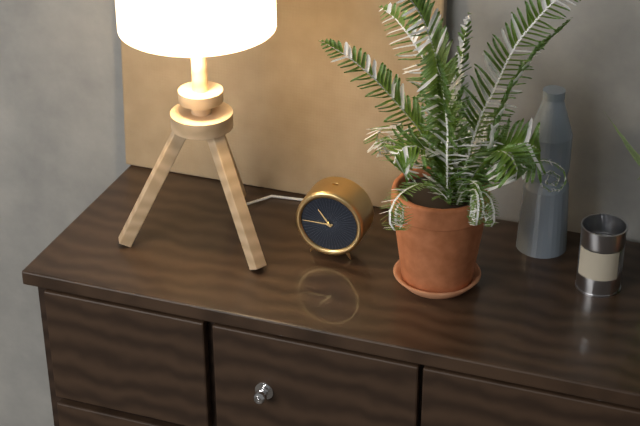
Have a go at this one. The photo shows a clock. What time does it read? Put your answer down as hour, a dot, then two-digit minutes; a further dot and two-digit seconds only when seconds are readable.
10.45
